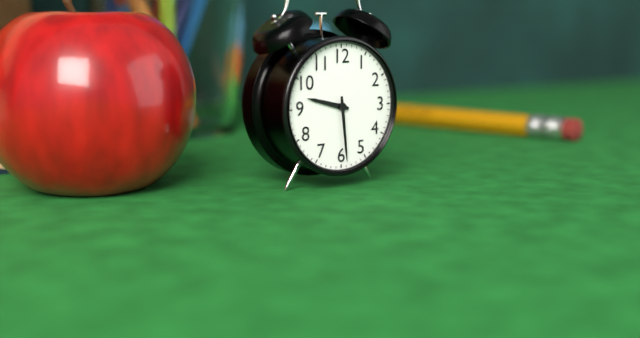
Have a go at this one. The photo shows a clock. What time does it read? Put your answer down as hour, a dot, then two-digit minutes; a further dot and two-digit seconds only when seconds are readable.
9.29
